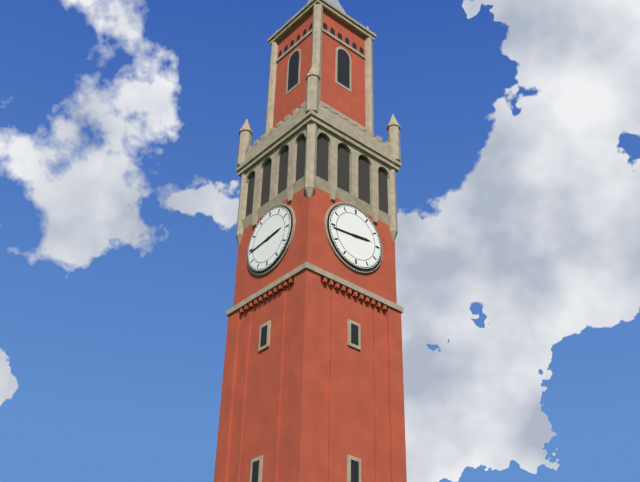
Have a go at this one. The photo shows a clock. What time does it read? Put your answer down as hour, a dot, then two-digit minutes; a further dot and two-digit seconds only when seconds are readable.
2.44
